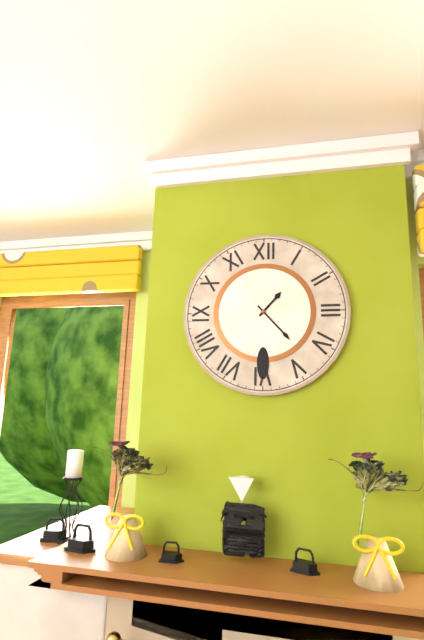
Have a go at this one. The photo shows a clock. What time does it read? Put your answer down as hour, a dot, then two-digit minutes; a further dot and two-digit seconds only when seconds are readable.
1.23
